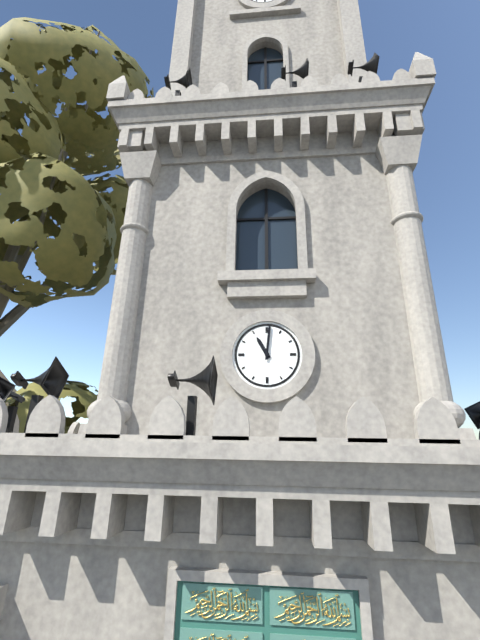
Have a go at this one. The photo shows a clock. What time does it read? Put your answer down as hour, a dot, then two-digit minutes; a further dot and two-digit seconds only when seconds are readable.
11.01
